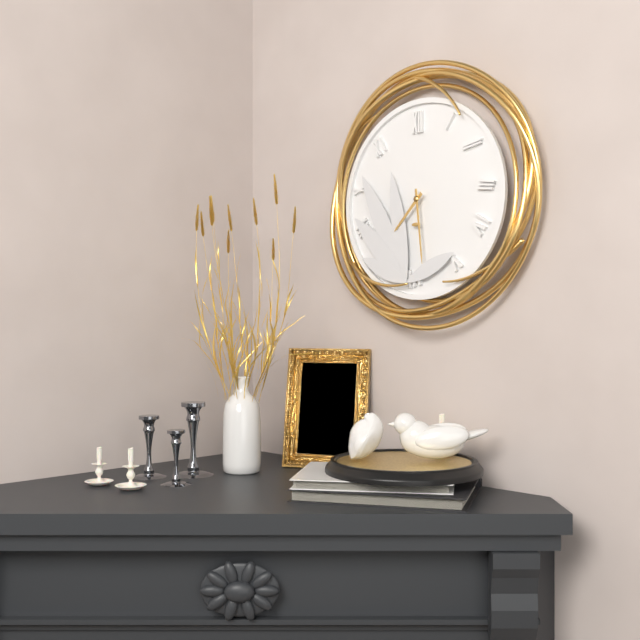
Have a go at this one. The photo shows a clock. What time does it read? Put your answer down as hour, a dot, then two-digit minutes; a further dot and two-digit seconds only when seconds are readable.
7.29
